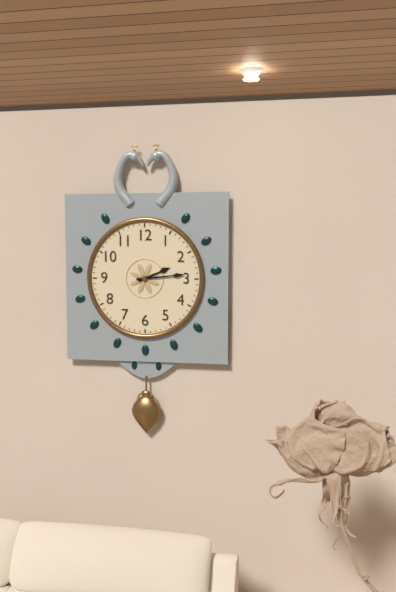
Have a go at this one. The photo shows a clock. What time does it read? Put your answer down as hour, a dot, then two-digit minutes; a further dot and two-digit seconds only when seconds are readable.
2.14
